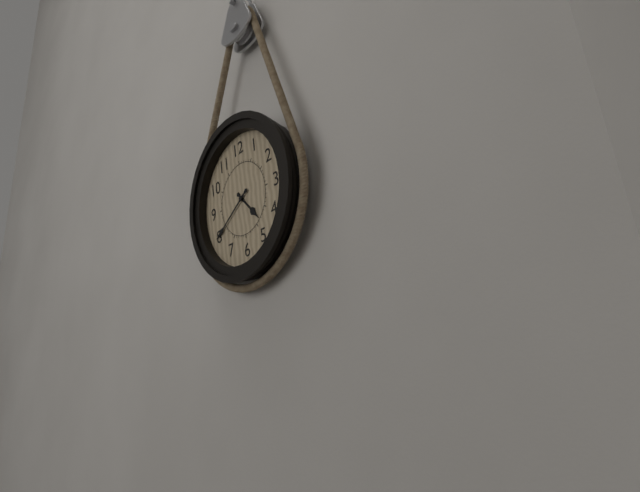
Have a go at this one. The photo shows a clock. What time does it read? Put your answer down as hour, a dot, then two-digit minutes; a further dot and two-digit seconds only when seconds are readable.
4.40
